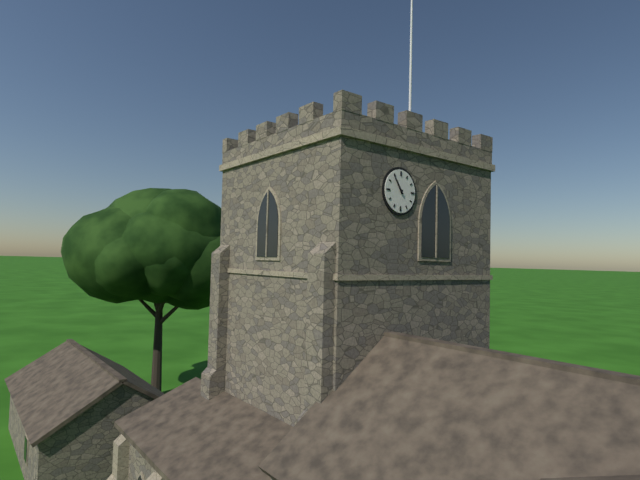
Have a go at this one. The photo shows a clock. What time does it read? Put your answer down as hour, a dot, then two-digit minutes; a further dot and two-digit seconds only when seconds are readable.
10.54
